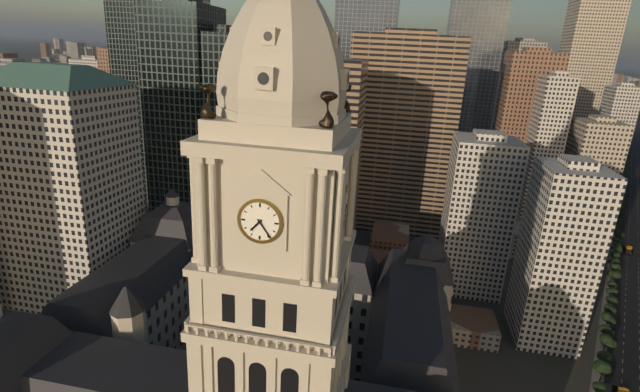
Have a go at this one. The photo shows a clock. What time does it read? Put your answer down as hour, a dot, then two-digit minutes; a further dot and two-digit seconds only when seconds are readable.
7.24
